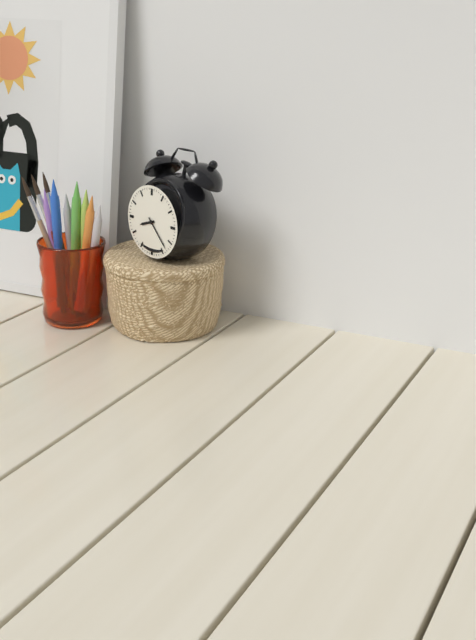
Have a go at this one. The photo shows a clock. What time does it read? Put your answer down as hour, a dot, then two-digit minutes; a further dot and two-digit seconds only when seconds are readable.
8.23
